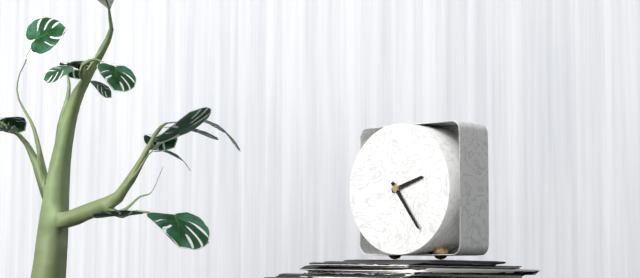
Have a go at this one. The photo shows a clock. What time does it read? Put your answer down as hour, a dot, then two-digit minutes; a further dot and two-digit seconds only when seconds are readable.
2.24
